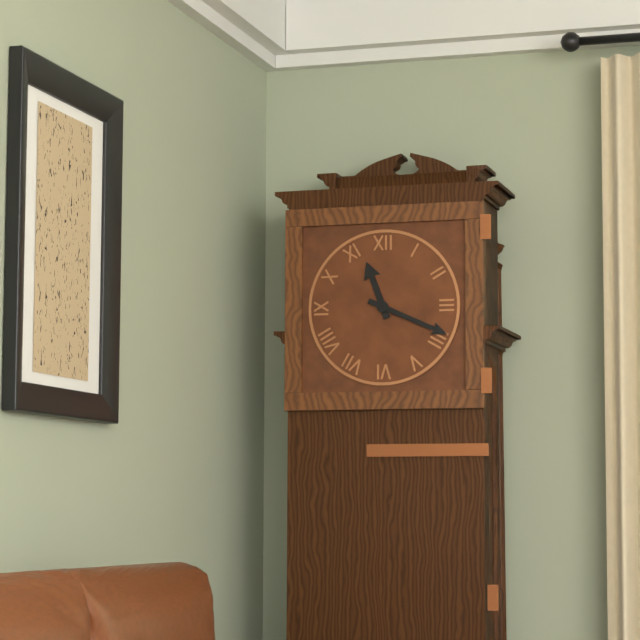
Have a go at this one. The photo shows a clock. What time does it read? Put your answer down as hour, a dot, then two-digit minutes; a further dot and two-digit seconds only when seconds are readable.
11.19
